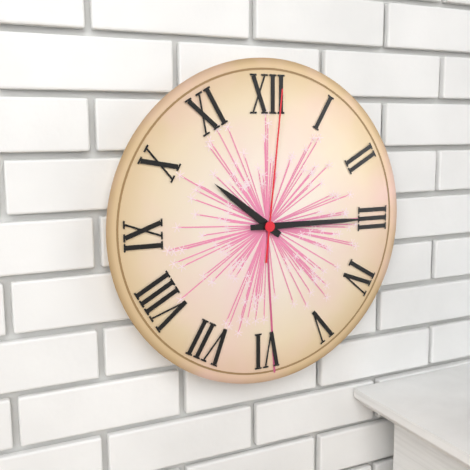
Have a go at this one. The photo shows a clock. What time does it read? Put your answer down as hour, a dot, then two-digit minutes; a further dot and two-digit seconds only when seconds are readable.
10.15.01
